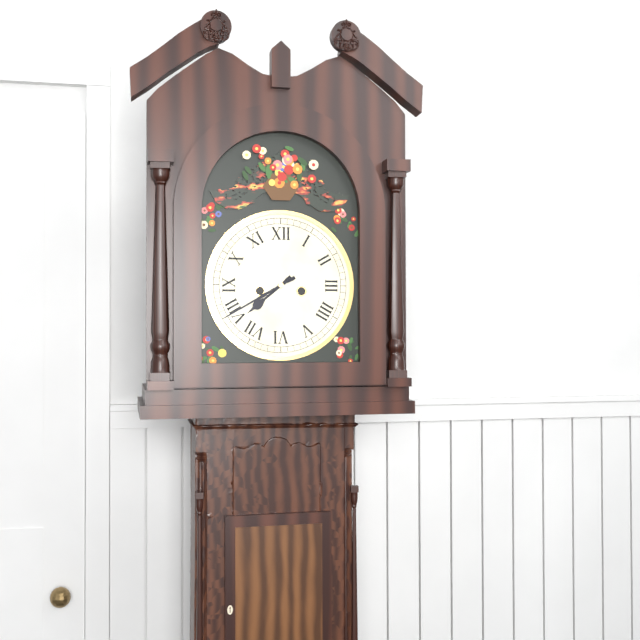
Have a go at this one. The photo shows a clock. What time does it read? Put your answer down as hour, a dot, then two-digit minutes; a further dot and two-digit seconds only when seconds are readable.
7.40
